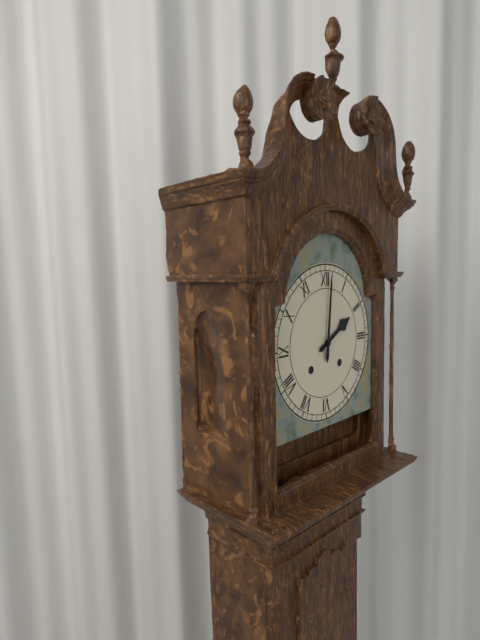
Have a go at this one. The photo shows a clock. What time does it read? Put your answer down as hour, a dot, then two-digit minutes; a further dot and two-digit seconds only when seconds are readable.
2.01
